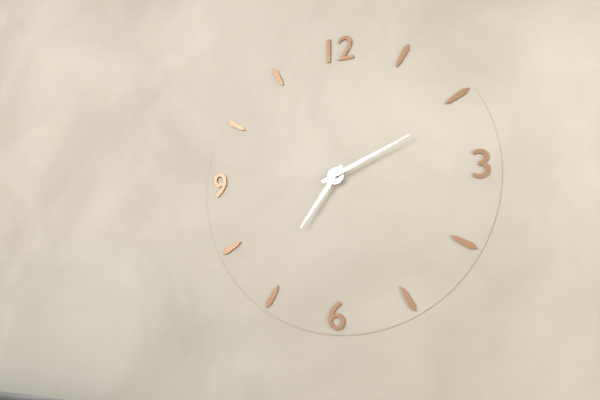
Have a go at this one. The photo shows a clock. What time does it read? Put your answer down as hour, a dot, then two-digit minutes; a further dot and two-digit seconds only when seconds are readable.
7.11
